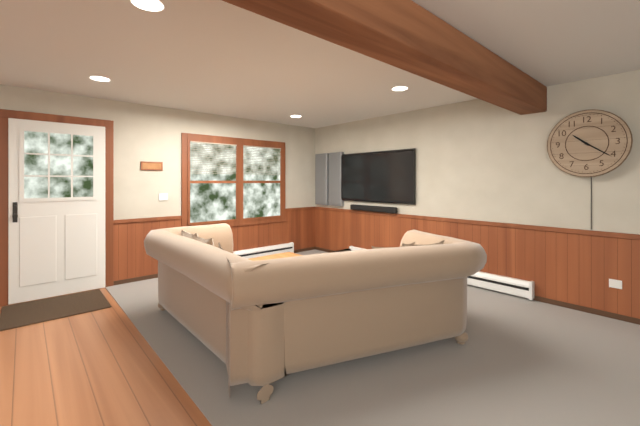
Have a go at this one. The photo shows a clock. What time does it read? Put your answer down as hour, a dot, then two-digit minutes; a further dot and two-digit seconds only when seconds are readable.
10.21
